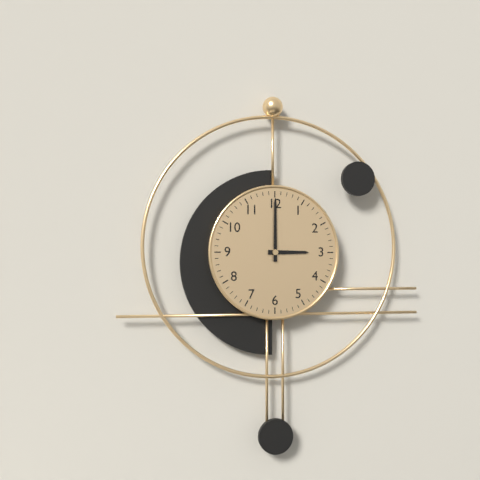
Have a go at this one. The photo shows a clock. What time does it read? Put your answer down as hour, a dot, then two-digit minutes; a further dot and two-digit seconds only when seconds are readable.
3.00
